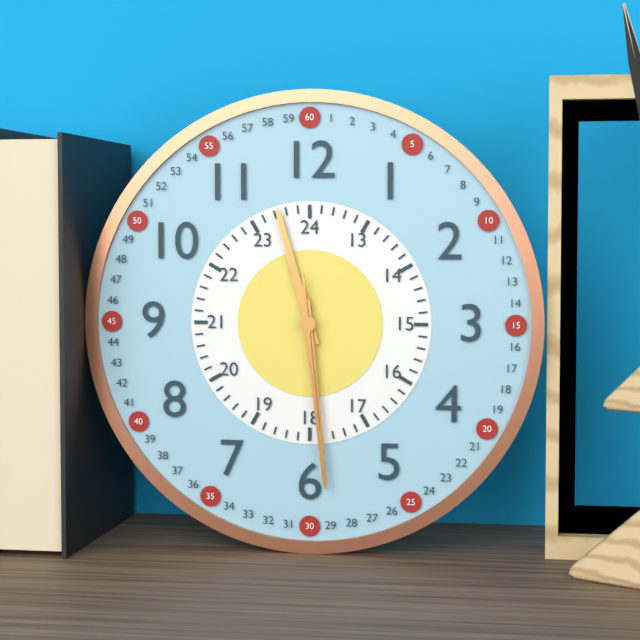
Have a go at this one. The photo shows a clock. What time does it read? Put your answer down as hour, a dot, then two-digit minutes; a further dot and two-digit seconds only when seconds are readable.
11.29.29
